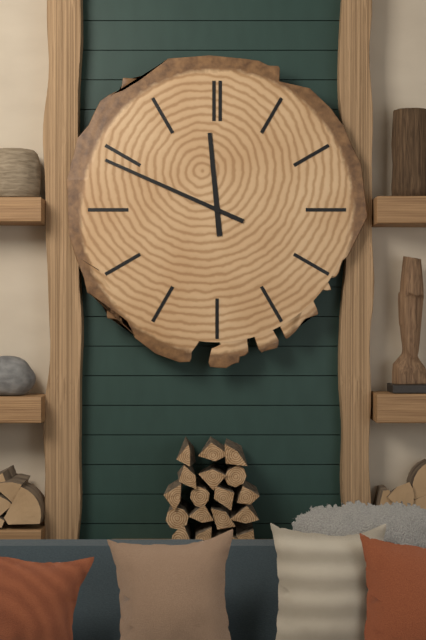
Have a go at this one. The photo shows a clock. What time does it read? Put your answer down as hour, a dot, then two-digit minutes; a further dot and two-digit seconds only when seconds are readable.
11.49
